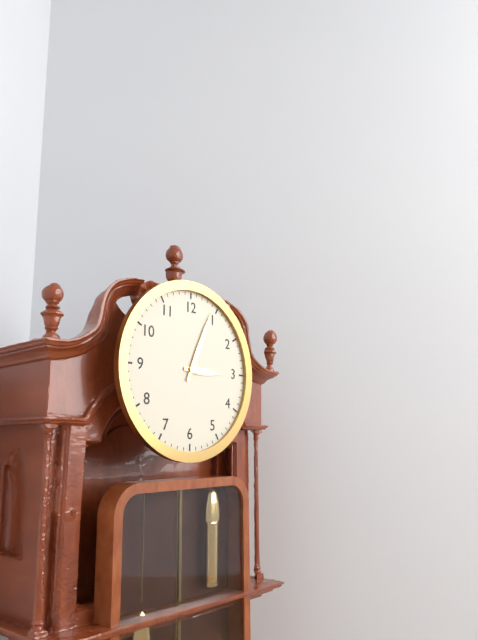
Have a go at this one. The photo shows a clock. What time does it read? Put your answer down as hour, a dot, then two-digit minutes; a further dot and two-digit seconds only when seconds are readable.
3.04
